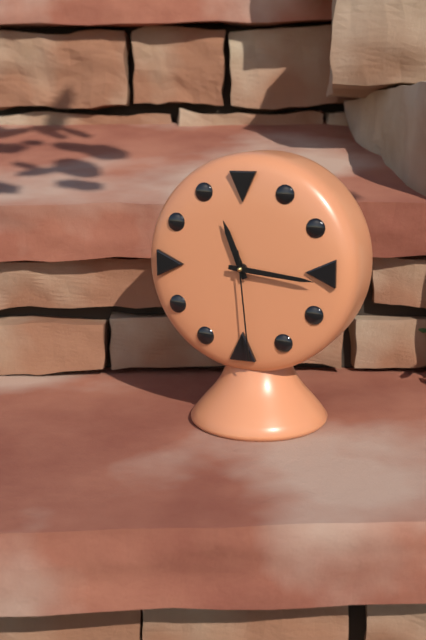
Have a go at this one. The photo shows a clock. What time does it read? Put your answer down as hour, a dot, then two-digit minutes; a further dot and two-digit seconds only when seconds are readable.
11.16.29
